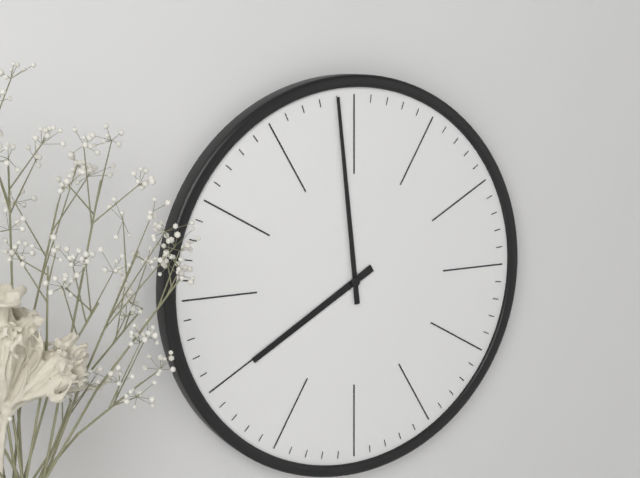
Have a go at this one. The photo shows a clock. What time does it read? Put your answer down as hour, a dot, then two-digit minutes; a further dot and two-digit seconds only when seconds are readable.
7.59
